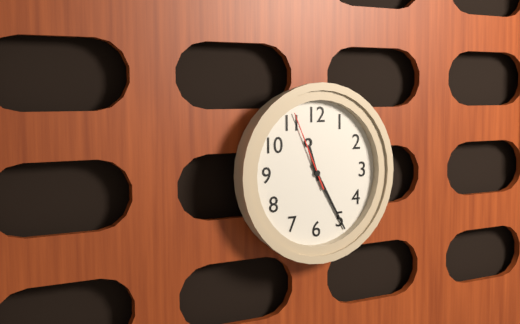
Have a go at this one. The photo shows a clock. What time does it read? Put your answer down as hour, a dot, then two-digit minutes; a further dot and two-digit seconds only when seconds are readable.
11.25.56
